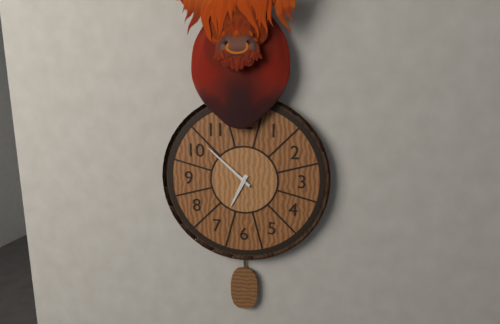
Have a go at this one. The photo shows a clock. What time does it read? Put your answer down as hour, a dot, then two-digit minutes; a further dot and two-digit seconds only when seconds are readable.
6.52
